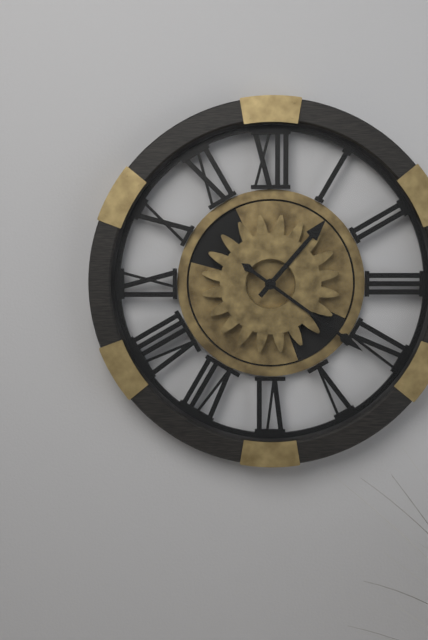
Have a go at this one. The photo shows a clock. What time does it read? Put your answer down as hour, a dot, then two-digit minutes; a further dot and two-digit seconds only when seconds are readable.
1.21
